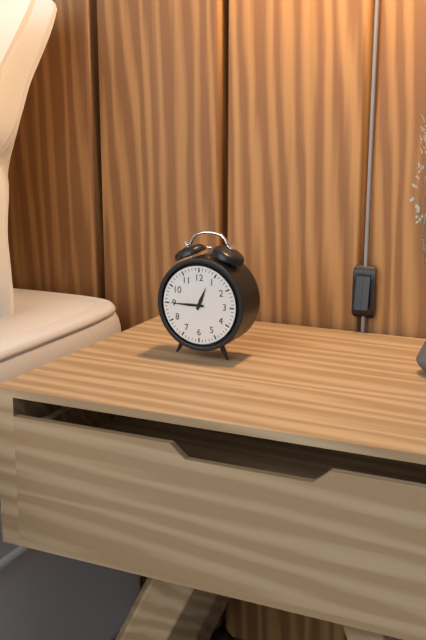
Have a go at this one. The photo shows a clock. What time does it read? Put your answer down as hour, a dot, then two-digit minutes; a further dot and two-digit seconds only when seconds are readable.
12.45
